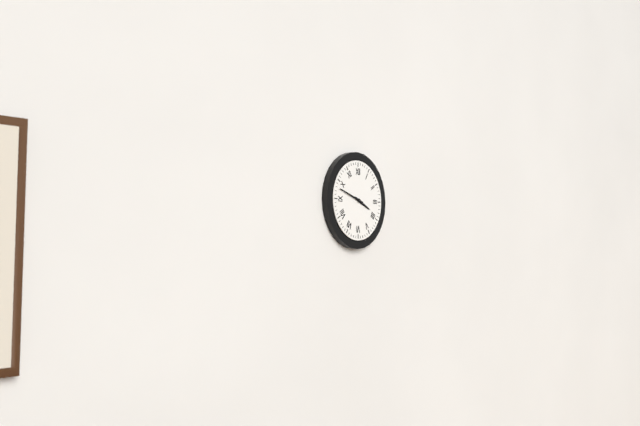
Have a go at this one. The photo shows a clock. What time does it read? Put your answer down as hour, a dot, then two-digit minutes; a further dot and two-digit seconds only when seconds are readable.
3.48
